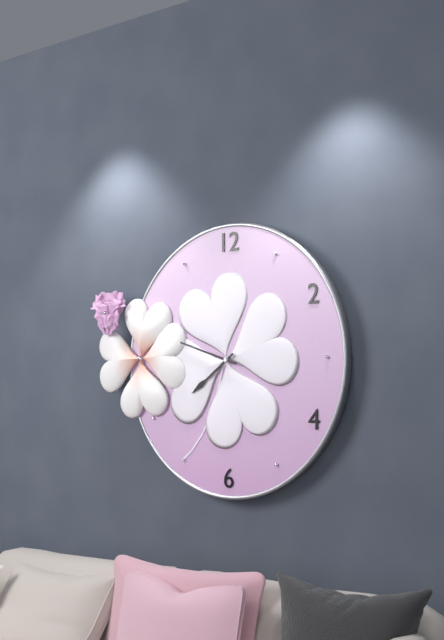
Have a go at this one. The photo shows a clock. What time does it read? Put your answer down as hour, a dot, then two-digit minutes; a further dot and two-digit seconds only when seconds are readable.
7.48
